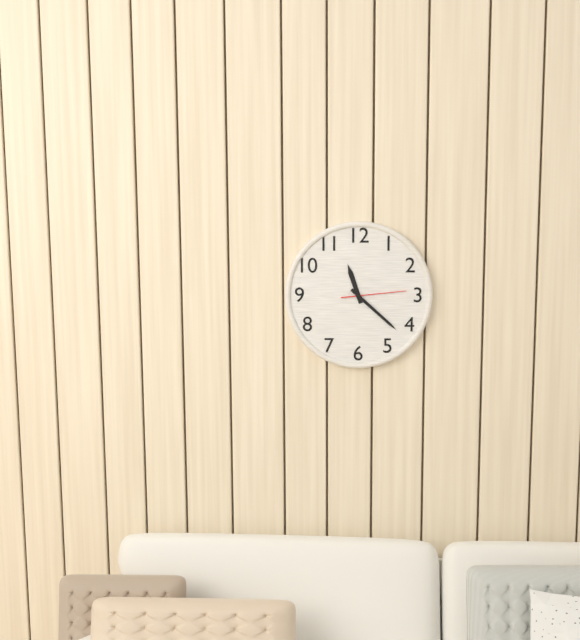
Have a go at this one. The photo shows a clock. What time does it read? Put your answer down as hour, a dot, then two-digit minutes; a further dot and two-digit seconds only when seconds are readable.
11.22.14
